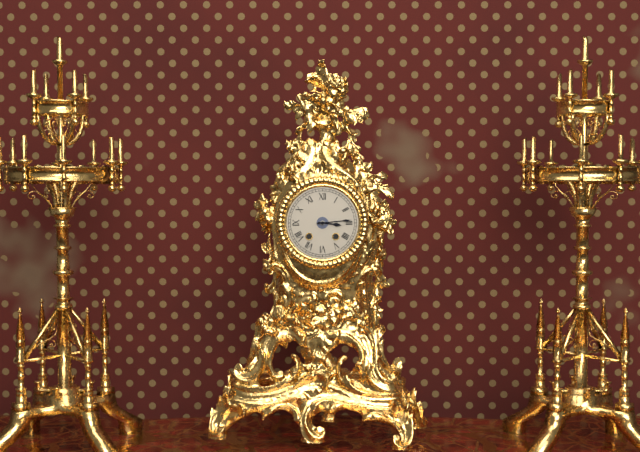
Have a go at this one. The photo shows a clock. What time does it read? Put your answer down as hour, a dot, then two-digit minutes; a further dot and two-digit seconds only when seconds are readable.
3.14
